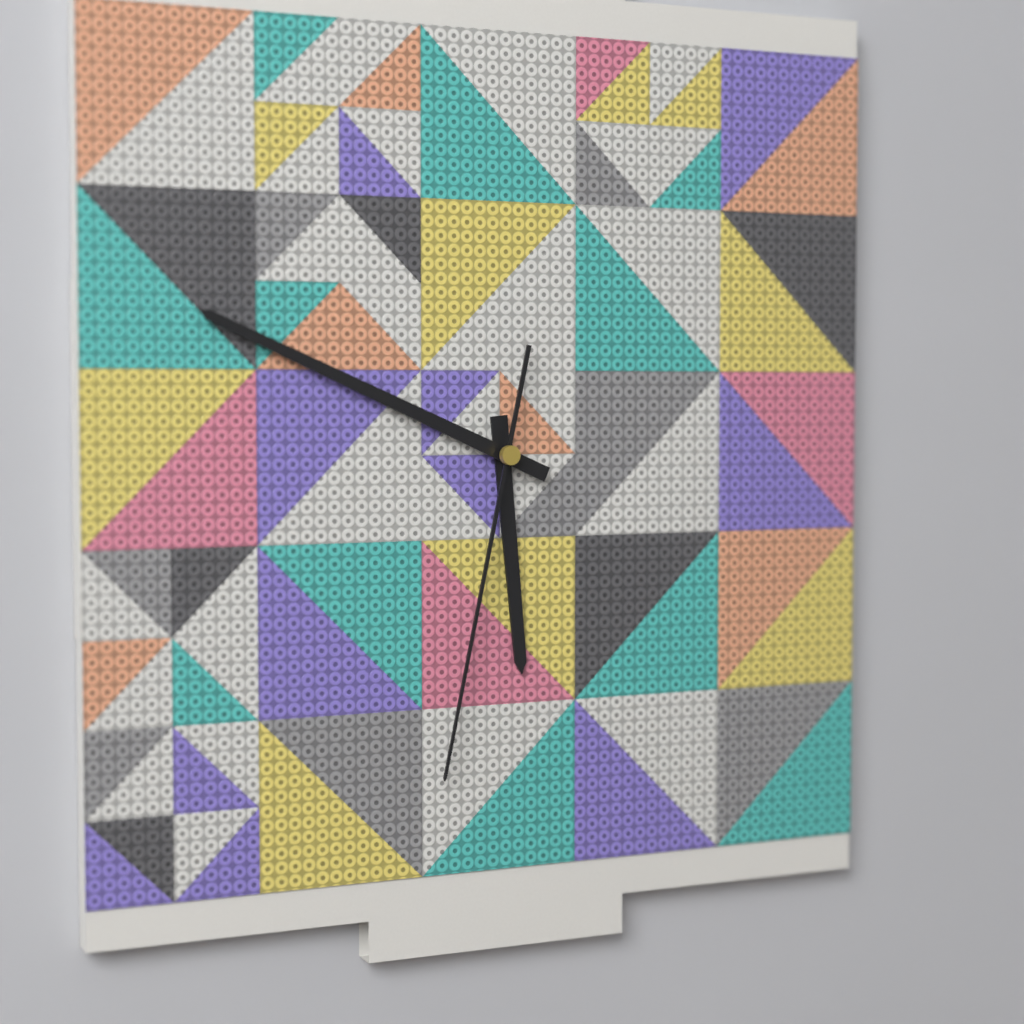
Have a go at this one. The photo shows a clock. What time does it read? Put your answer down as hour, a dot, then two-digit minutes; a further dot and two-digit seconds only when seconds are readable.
5.49.32
